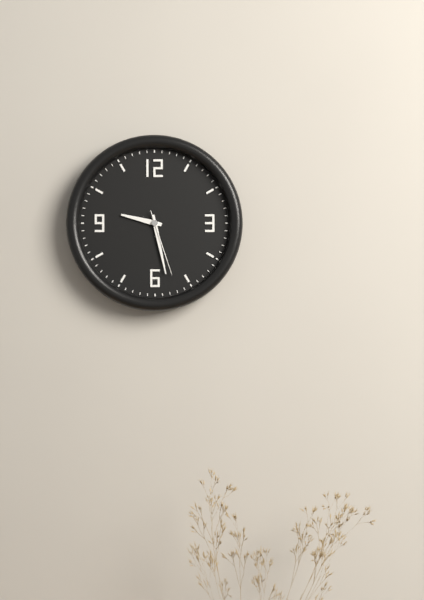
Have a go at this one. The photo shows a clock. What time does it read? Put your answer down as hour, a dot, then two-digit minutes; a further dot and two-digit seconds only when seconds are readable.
9.28.27
